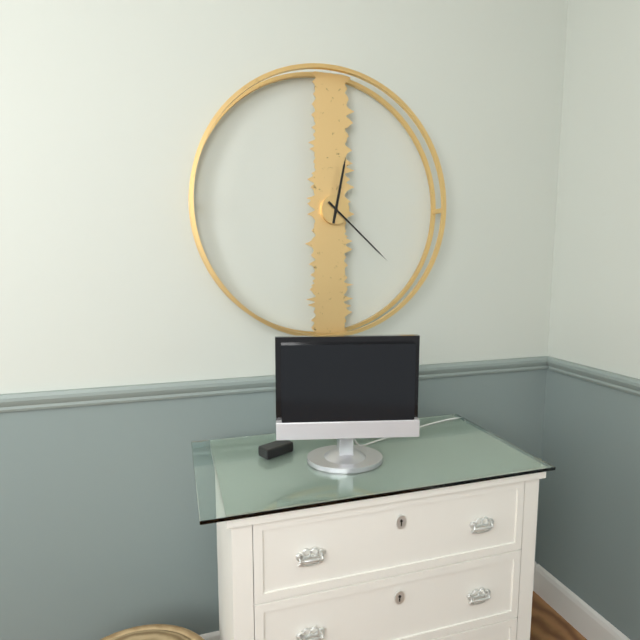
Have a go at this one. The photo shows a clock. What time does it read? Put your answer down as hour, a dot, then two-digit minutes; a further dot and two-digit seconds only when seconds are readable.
12.22
